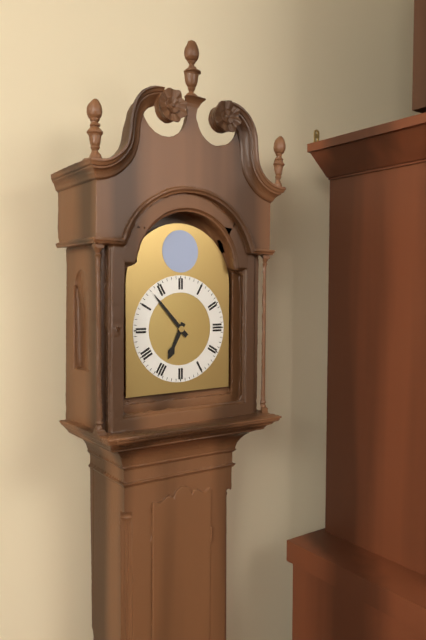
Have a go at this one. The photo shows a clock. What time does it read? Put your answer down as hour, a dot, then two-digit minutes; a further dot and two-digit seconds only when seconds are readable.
6.53
